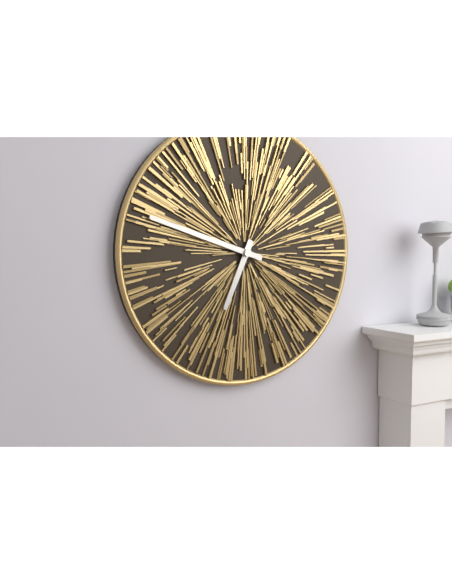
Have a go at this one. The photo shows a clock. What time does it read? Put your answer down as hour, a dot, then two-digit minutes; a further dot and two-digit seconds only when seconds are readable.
6.48
